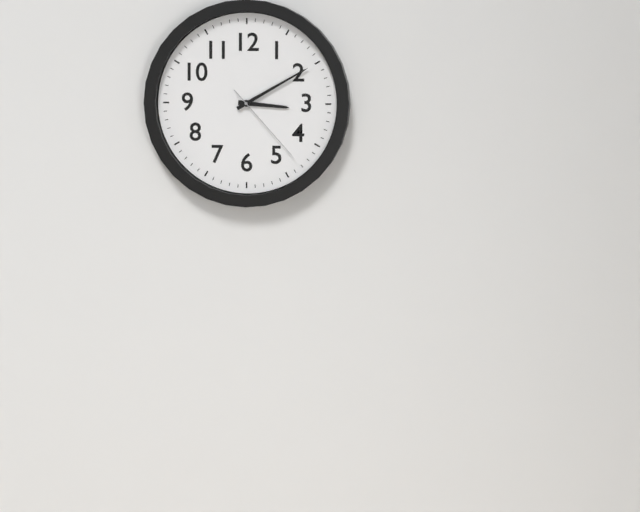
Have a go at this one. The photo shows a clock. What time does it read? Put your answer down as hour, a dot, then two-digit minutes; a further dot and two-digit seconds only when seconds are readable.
3.10.23
